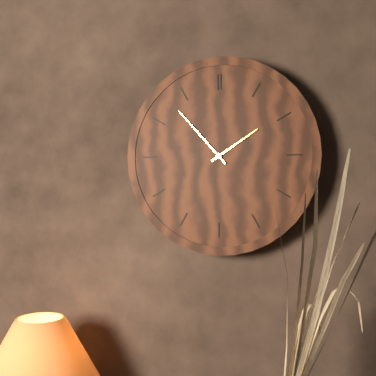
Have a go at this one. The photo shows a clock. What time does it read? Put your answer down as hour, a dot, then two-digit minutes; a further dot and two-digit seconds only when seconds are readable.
1.53
